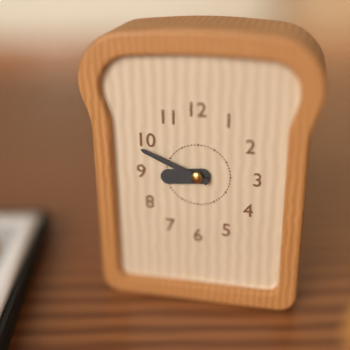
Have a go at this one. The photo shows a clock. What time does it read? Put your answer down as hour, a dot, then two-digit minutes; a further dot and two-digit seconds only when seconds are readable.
8.49
